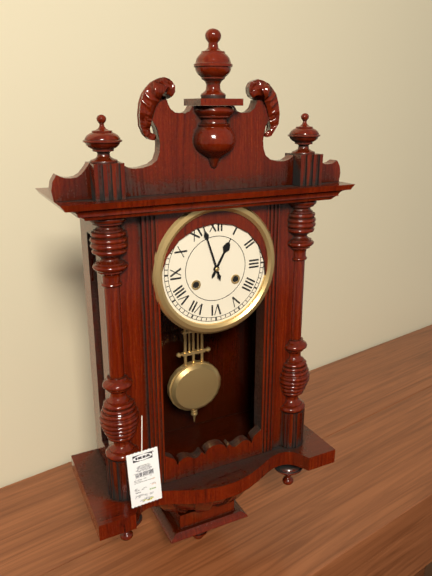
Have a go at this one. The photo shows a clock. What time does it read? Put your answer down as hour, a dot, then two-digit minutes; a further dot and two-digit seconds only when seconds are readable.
12.57
